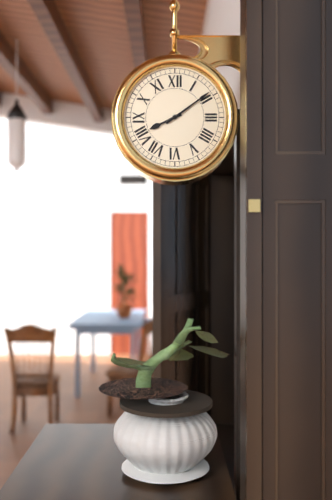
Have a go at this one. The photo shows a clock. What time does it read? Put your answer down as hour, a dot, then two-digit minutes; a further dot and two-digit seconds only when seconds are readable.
8.09
